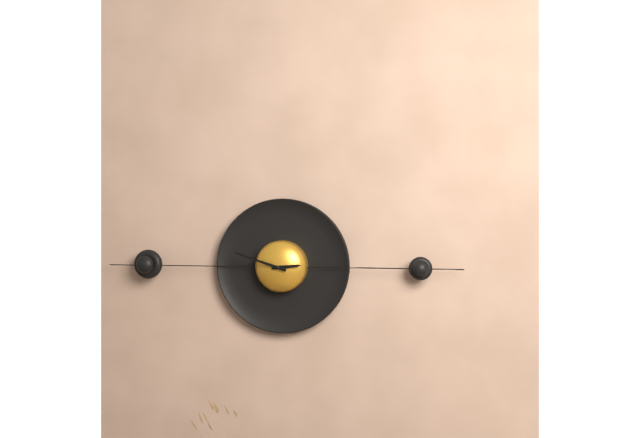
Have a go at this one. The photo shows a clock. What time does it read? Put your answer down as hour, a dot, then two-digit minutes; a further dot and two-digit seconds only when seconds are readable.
2.48
